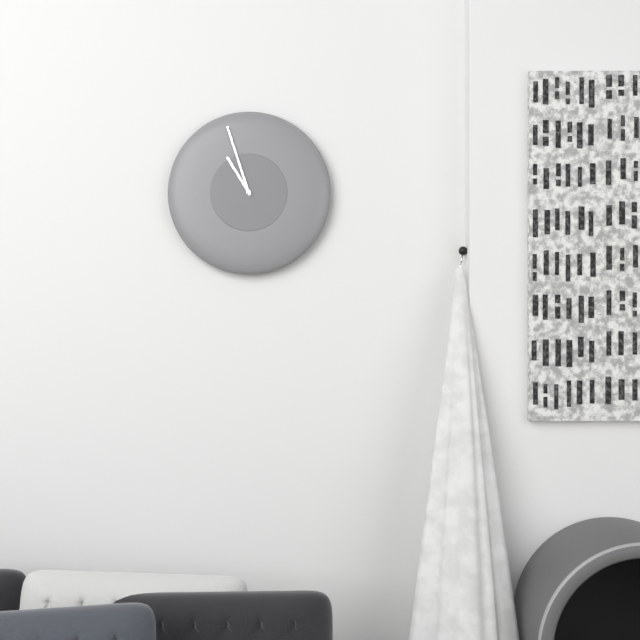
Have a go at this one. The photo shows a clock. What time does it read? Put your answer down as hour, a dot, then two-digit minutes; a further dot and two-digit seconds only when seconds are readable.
10.57
